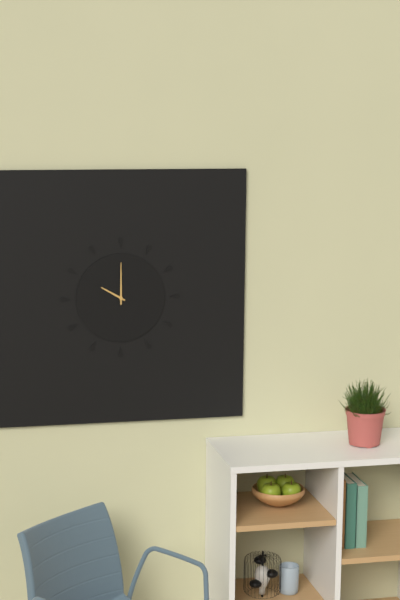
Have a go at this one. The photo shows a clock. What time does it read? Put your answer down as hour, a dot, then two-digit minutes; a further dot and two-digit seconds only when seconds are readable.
10.00
